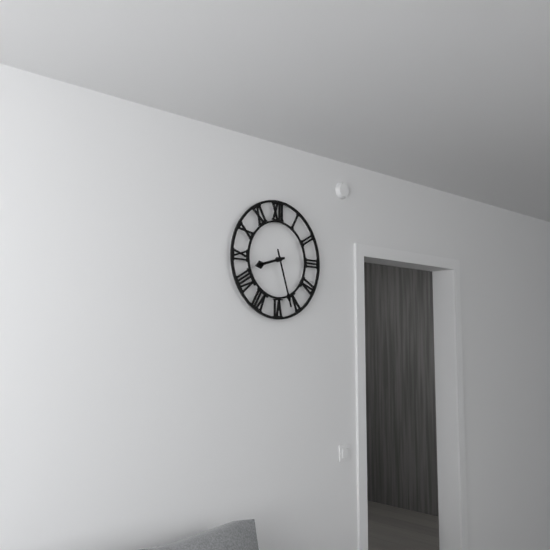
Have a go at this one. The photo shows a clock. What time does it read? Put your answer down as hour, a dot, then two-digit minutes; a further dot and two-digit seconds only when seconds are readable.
8.27
